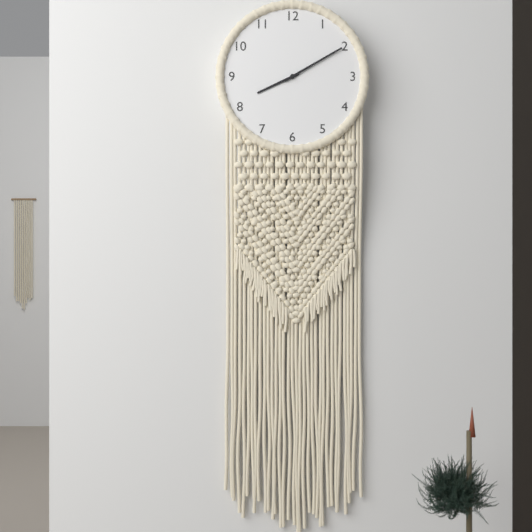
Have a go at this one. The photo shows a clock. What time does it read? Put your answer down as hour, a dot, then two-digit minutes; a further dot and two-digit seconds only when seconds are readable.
8.10
